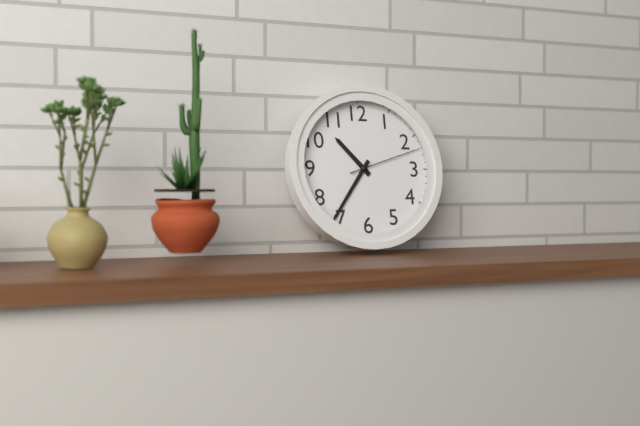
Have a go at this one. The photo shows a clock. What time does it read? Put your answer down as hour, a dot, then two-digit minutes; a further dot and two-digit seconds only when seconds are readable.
10.36.12
